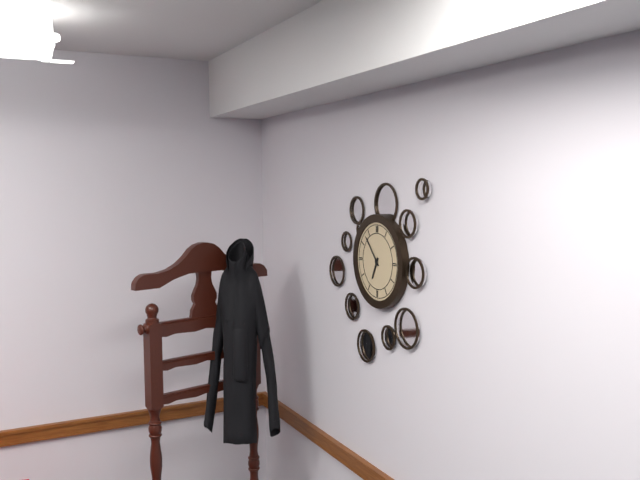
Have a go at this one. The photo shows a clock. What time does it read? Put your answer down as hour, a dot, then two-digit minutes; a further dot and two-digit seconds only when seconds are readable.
6.53
